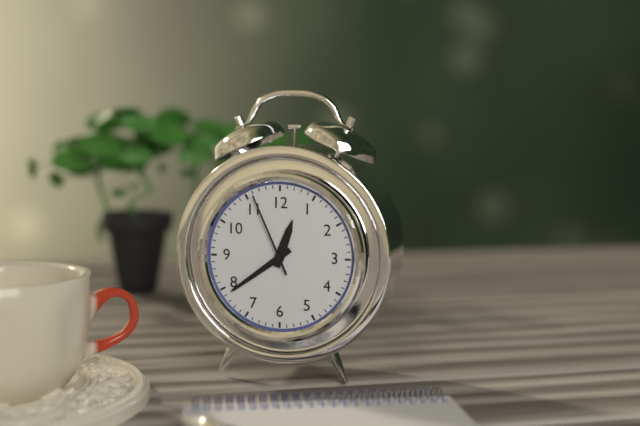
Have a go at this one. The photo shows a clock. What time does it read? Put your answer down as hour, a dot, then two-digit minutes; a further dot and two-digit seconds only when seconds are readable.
12.39.56
